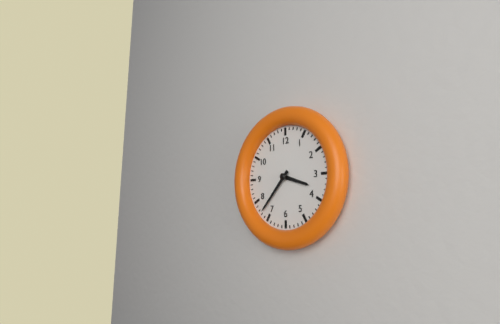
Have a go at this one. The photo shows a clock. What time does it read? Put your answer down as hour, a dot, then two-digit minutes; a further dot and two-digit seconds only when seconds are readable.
3.37
